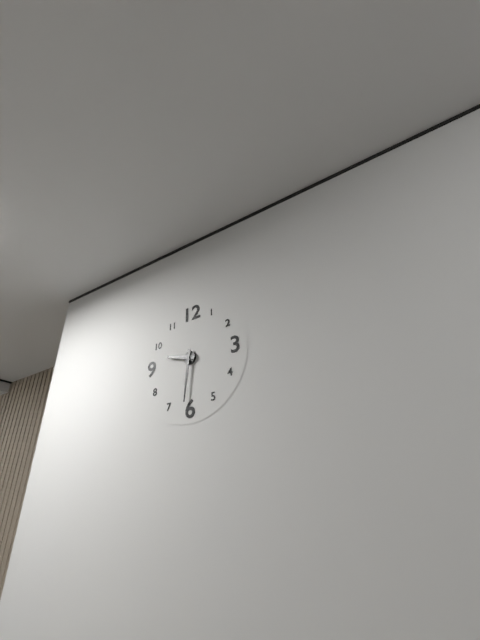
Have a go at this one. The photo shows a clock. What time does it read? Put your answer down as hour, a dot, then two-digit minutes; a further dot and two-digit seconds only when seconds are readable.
9.31
